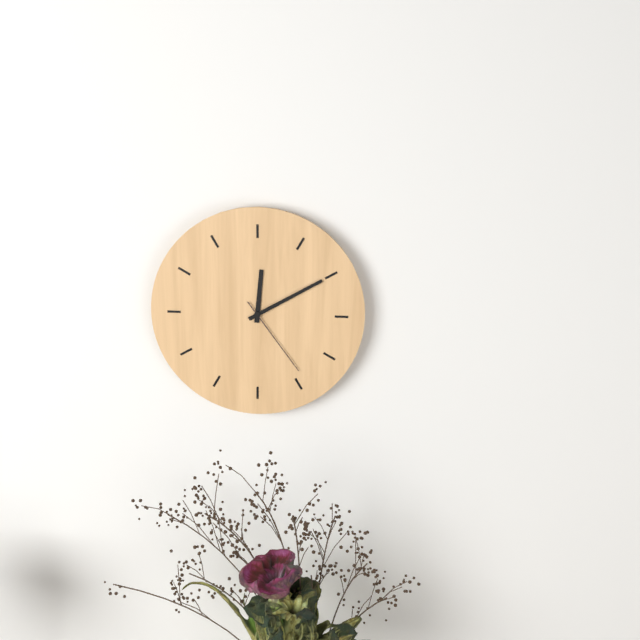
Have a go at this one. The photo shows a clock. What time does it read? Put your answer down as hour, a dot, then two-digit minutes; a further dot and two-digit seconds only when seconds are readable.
12.10.24
